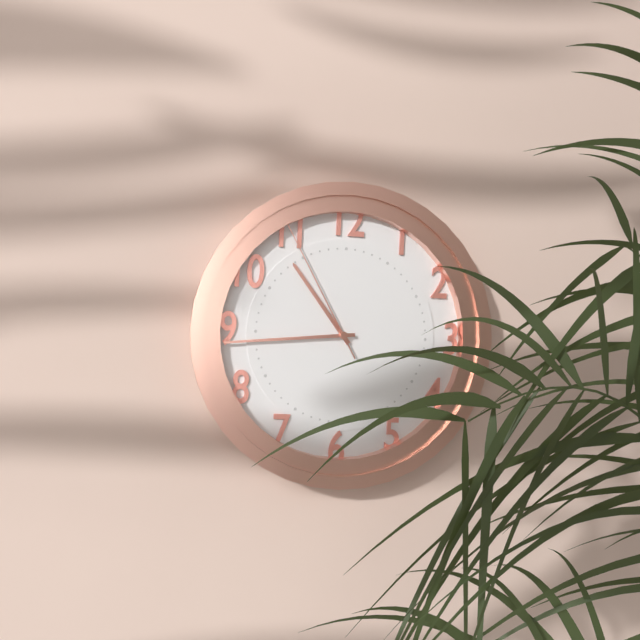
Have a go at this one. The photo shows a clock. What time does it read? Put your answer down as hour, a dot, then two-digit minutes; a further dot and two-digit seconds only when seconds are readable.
10.44.55
